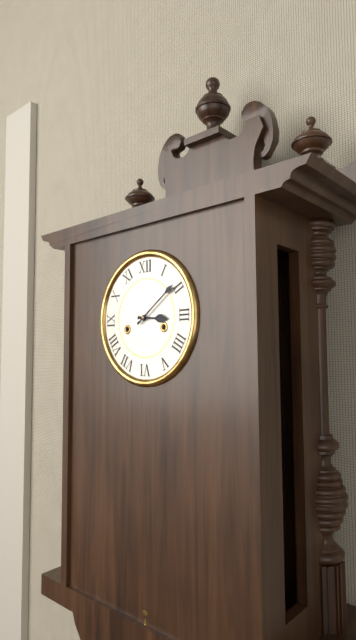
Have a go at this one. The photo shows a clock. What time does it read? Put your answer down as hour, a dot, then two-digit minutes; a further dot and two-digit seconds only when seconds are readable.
3.09
